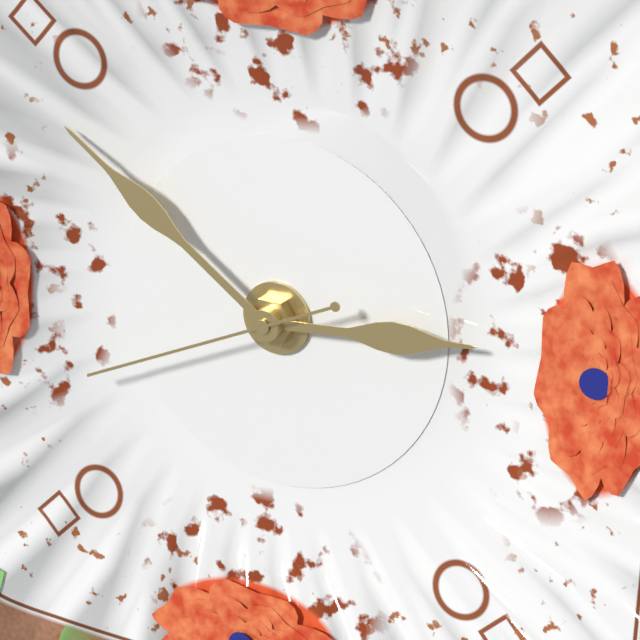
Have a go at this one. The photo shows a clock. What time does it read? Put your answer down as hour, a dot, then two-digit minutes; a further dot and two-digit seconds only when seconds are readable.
2.51.41
